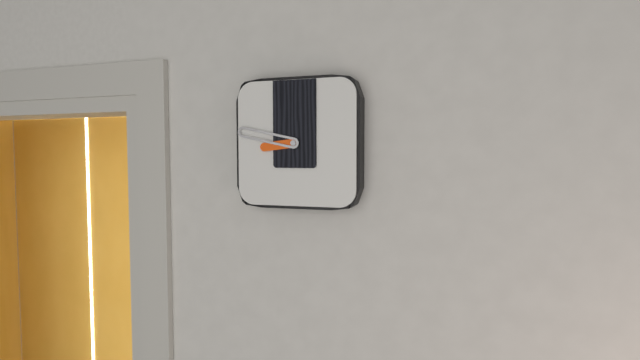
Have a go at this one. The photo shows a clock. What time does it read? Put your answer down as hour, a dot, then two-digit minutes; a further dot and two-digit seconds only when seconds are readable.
8.47
